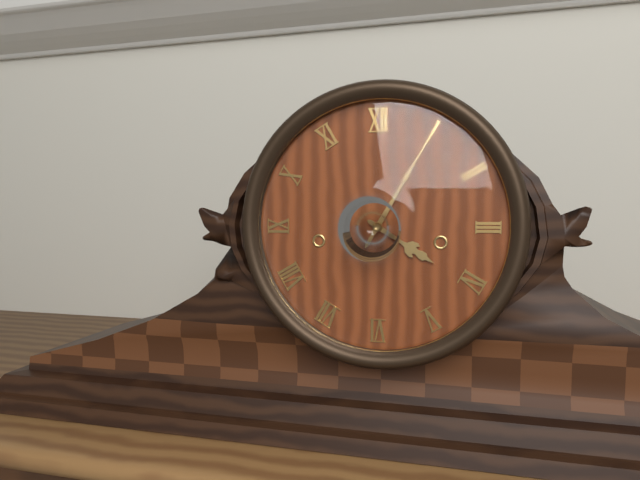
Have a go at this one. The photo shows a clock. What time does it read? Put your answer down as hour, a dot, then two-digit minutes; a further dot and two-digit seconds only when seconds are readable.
4.05
